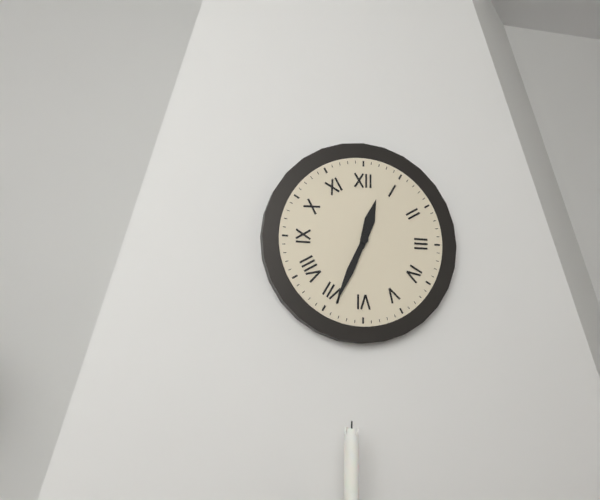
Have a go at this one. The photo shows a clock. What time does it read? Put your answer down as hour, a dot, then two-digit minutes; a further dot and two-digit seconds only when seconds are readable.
12.34
